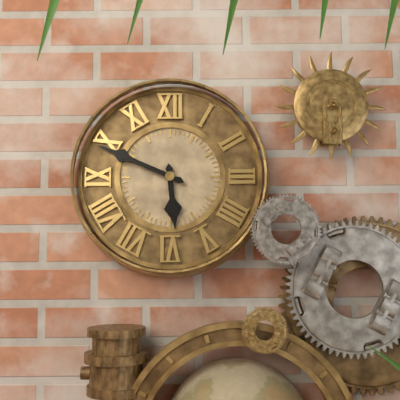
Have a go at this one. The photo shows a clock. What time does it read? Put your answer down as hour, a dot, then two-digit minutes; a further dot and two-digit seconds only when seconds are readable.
5.49
